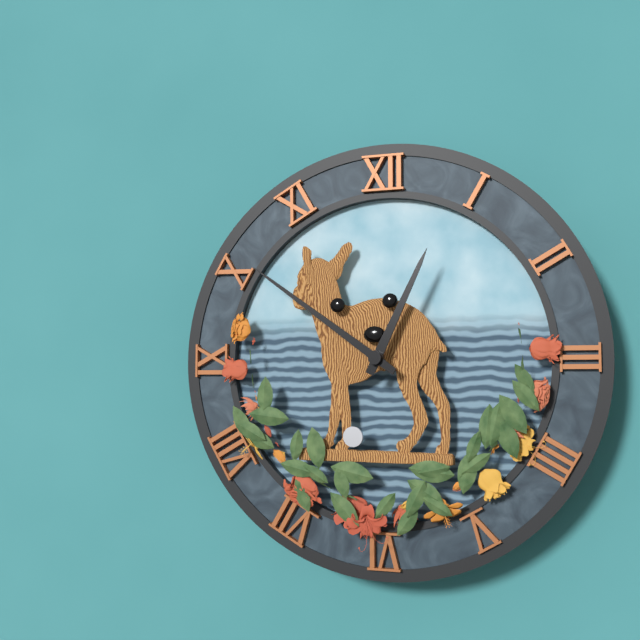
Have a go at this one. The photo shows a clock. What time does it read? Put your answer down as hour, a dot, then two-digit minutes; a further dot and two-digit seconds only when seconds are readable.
12.51
